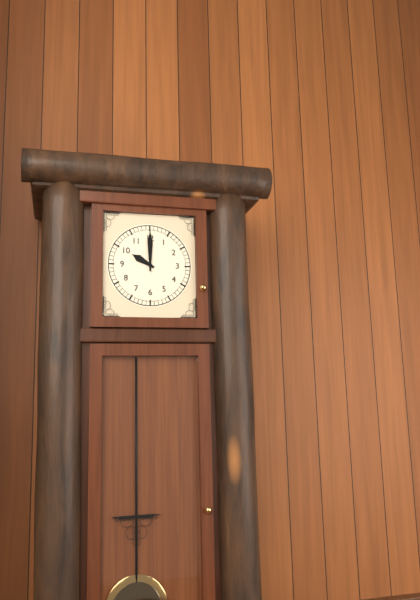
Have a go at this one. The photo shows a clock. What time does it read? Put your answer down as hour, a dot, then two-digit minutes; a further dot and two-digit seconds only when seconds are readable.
10.00
